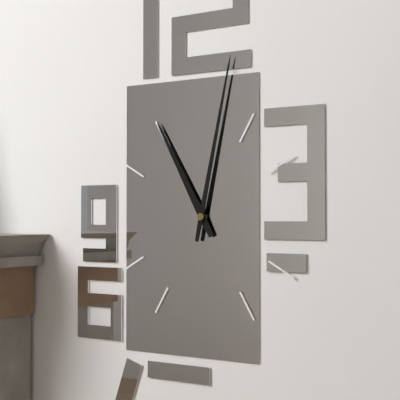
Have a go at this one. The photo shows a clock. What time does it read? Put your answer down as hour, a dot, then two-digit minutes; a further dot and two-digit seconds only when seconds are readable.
11.02
